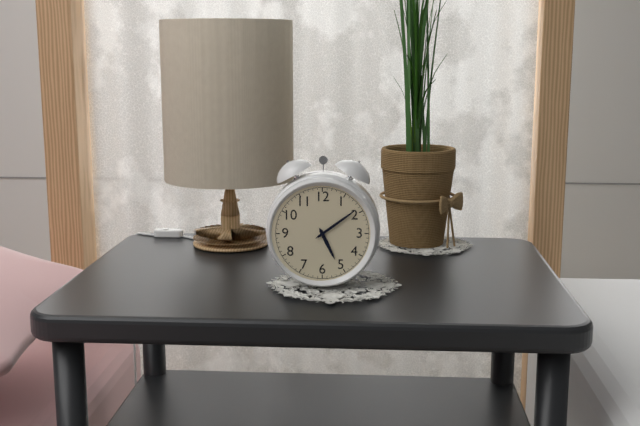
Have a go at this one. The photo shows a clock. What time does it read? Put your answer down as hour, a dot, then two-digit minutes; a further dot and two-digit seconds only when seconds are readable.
5.09
